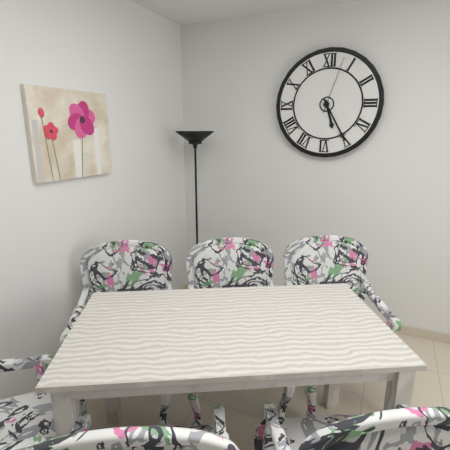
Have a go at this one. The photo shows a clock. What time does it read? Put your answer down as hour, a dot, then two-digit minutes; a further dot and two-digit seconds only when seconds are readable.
5.25.03
